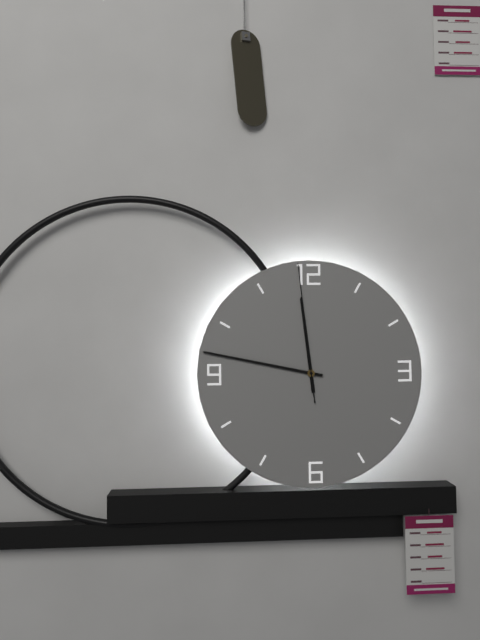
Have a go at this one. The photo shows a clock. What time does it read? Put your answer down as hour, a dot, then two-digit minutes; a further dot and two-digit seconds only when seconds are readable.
11.47.59
